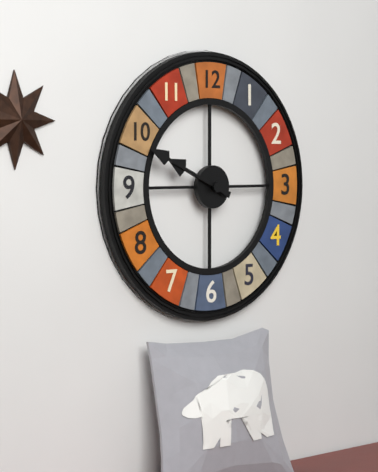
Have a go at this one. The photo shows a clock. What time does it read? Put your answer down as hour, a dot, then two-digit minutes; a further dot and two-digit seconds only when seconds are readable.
9.49
